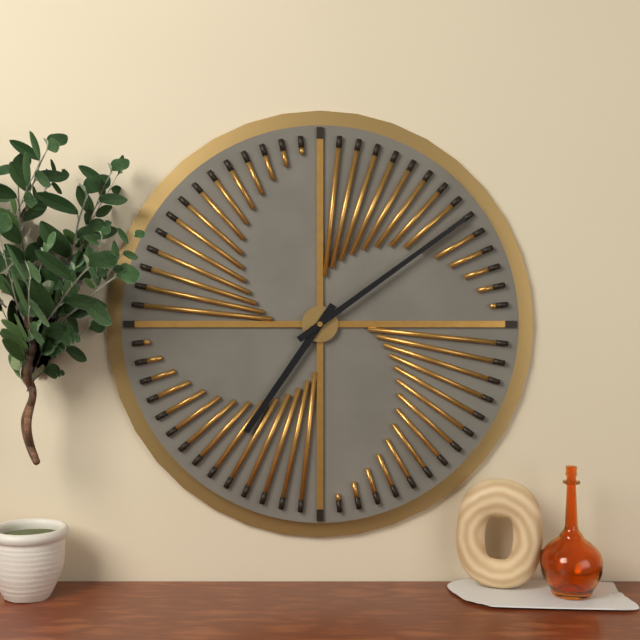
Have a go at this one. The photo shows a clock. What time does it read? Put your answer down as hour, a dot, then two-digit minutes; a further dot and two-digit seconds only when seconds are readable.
7.09
